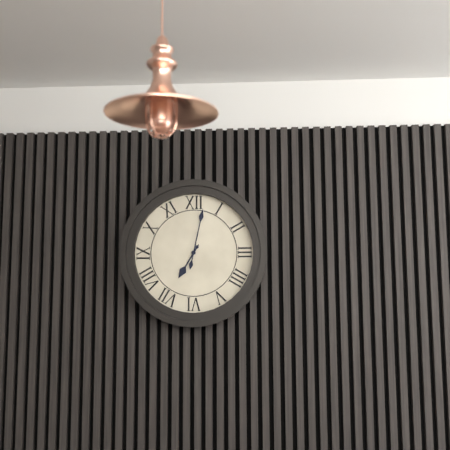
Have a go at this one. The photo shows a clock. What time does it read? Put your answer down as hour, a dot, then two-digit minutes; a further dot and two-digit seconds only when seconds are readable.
7.02
